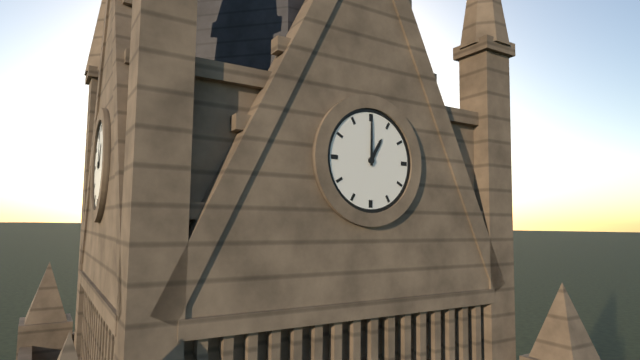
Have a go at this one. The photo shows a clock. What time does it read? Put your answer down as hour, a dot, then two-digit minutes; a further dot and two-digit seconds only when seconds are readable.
1.00
